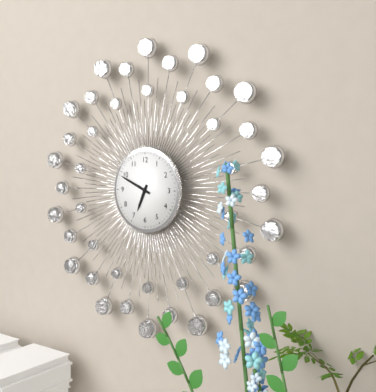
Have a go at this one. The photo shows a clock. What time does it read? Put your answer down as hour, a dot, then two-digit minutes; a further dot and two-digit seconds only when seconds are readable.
6.49
